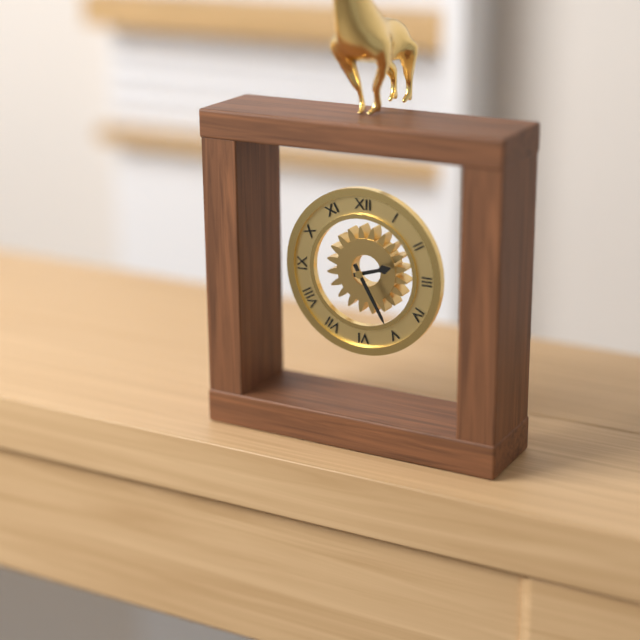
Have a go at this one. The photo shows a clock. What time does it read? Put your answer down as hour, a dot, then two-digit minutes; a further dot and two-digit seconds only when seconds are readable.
2.25
